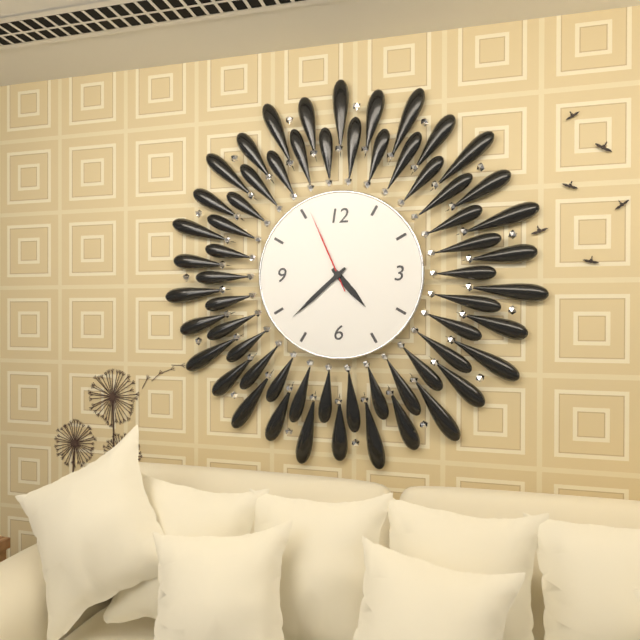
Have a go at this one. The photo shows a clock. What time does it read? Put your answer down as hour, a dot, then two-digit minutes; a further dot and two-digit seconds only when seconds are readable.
4.38.56
